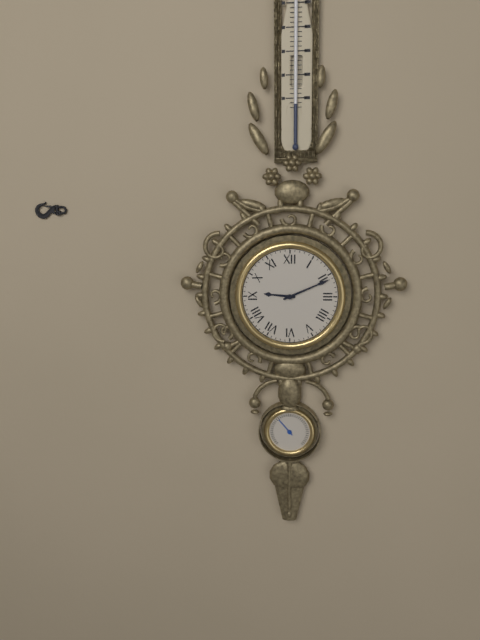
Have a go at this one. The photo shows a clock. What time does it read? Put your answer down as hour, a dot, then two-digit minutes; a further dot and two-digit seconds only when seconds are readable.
9.11
